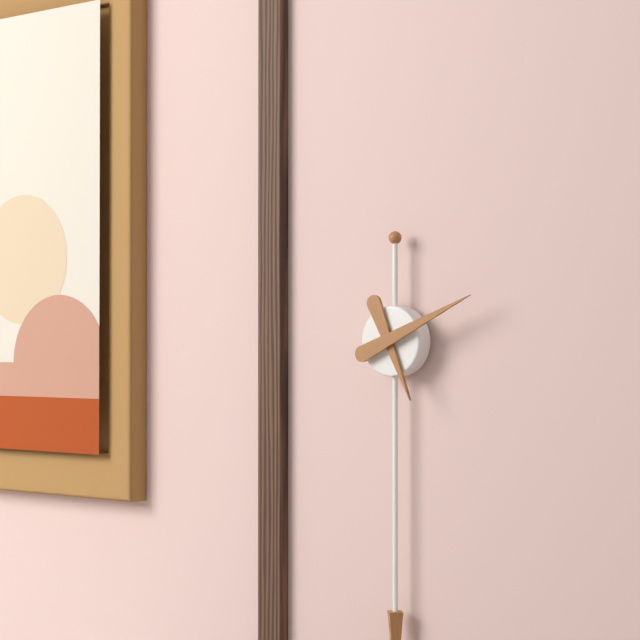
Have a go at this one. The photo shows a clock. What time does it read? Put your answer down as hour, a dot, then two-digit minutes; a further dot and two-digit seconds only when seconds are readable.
5.11
